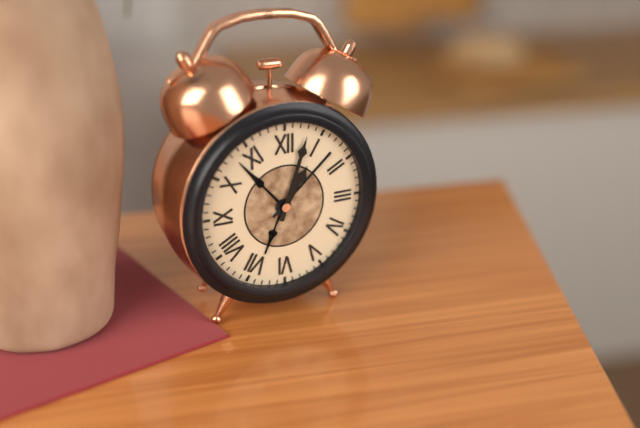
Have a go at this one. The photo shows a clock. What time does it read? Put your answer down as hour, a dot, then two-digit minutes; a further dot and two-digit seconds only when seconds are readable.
1.03
